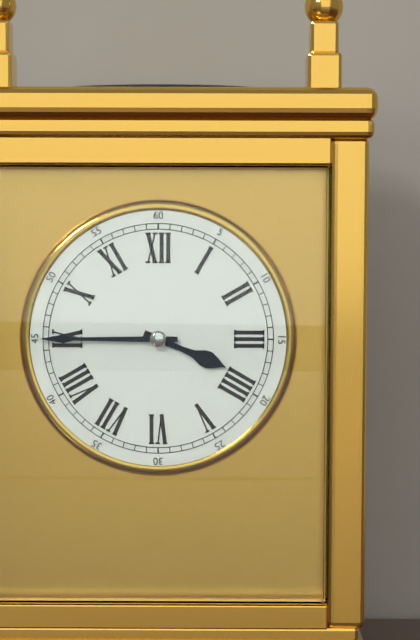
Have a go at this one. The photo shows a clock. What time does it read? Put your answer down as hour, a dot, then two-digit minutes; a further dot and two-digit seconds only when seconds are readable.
3.45
